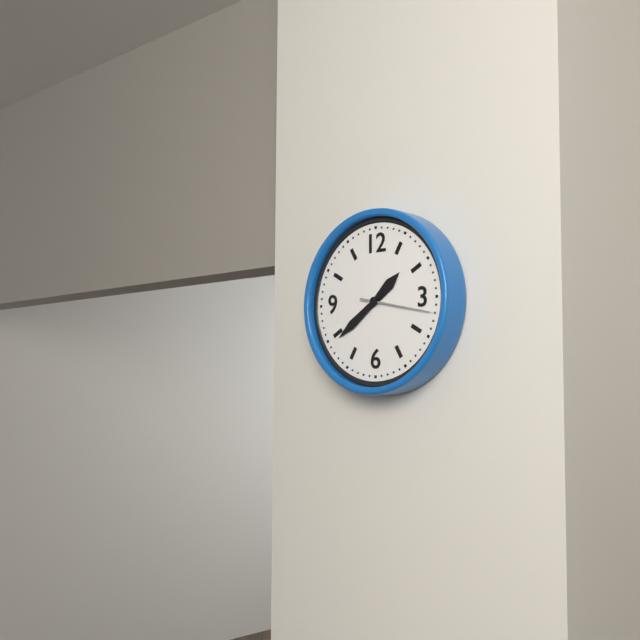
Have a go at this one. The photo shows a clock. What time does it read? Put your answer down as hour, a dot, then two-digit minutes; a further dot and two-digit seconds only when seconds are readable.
1.39.17
